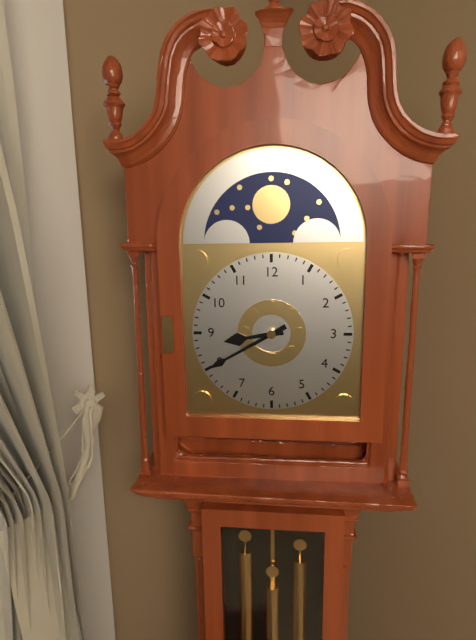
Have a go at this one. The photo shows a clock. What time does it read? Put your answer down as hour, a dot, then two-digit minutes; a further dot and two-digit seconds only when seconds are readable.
8.40
